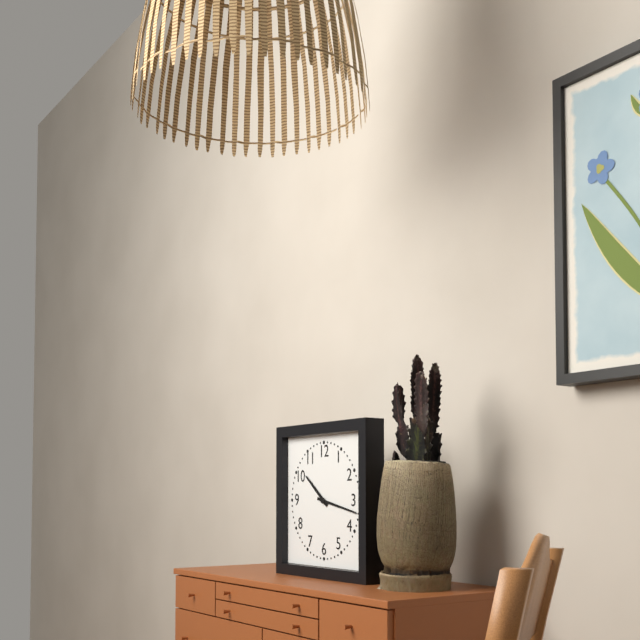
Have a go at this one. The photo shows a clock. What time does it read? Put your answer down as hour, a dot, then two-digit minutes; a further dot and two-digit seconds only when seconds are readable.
10.17
